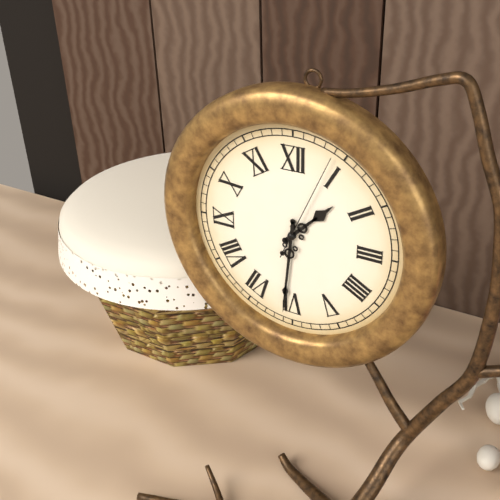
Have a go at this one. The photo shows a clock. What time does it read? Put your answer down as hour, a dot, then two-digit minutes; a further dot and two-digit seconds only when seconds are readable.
1.31.04
